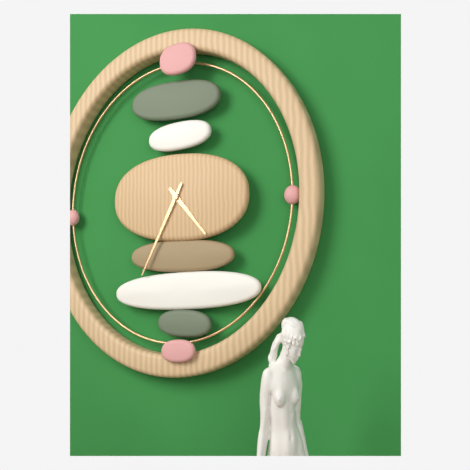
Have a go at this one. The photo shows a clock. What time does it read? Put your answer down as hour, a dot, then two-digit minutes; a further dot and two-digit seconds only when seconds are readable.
4.35
